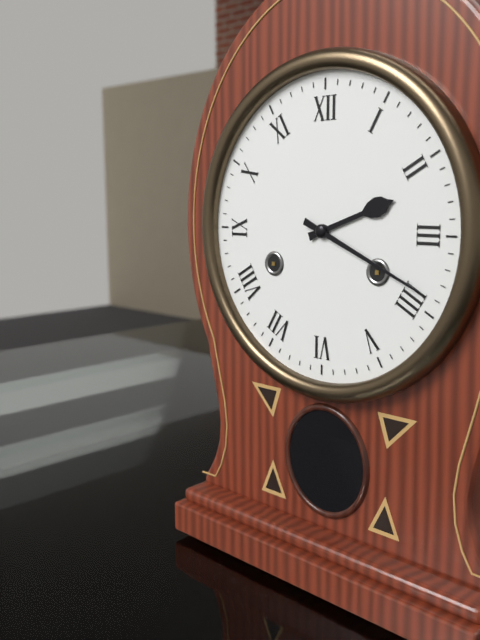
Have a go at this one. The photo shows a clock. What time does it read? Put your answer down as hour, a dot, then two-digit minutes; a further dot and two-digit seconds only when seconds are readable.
2.19
